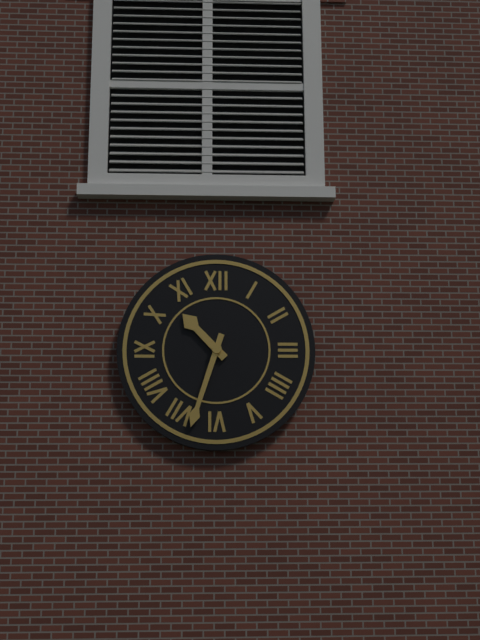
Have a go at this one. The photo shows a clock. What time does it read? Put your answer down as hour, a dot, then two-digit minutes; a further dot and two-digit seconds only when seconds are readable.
10.33
